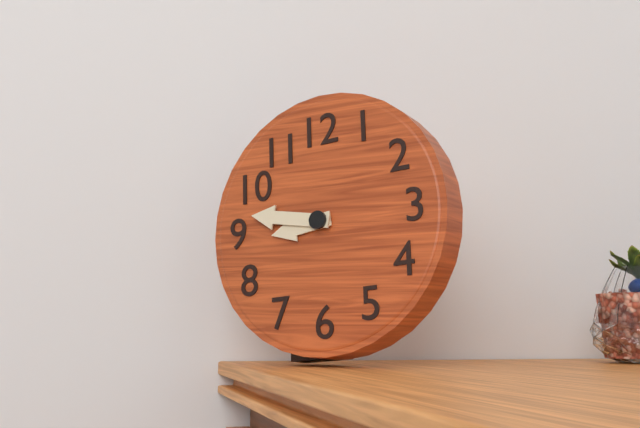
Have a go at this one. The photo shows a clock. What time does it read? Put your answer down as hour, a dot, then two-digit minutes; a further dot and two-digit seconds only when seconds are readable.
8.47
